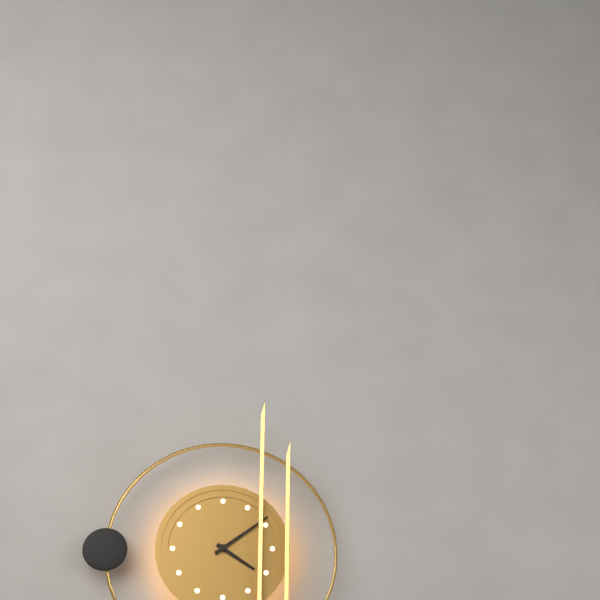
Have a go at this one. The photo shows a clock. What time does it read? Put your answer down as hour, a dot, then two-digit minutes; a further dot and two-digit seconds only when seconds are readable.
4.09
